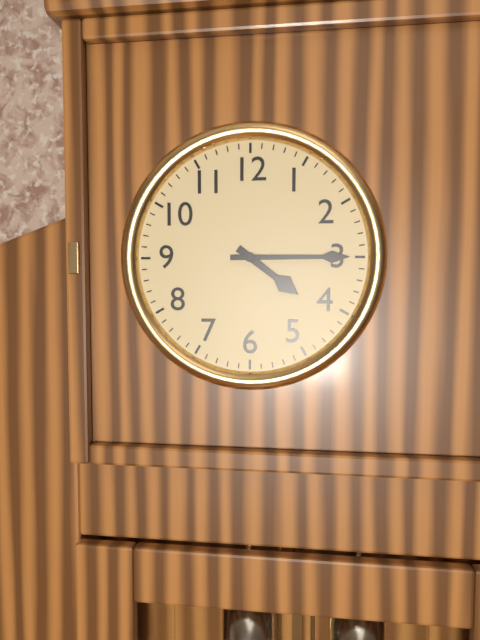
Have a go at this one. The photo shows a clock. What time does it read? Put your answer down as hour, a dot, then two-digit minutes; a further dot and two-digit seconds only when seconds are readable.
4.15
